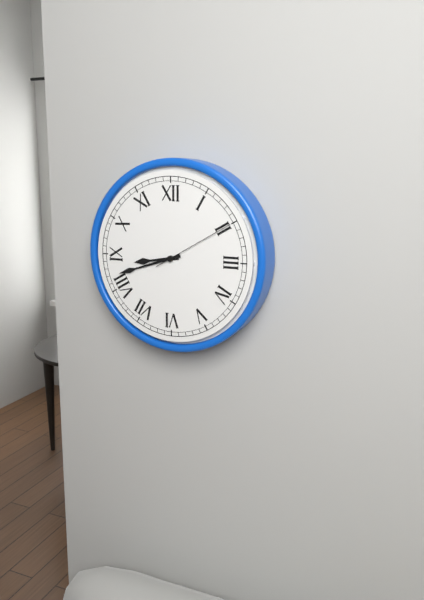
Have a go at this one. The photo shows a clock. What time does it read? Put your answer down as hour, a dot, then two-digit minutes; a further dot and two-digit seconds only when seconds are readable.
8.42.10
